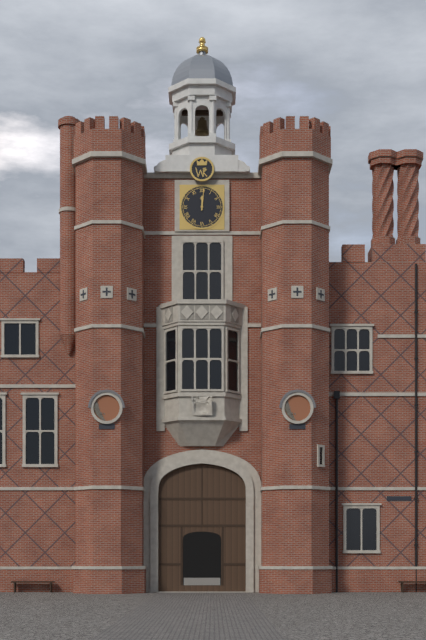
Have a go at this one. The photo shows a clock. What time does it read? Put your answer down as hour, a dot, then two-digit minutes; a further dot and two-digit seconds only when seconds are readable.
12.01
